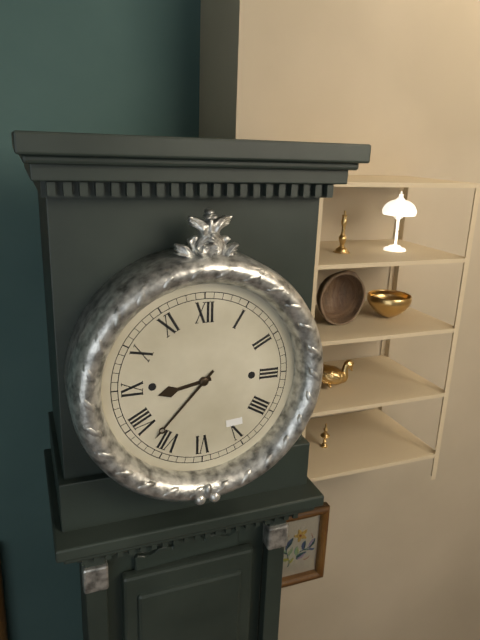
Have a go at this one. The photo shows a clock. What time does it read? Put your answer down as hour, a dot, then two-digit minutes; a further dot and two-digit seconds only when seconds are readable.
8.37
